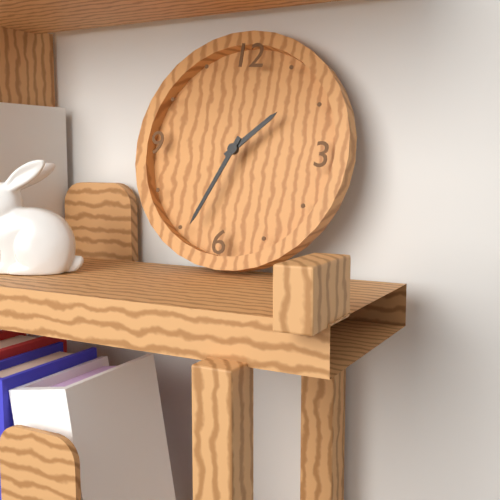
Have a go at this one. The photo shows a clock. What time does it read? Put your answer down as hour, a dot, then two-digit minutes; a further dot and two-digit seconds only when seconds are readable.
1.34
